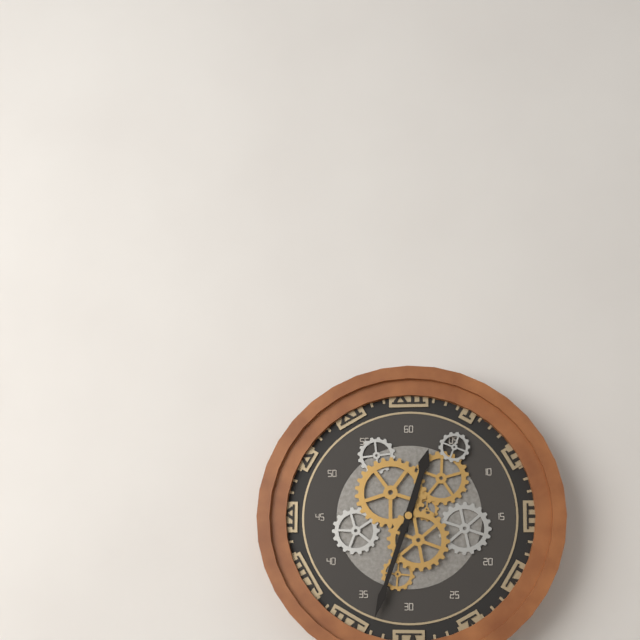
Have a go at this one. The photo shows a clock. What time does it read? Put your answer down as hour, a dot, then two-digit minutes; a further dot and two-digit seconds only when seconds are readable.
12.33
